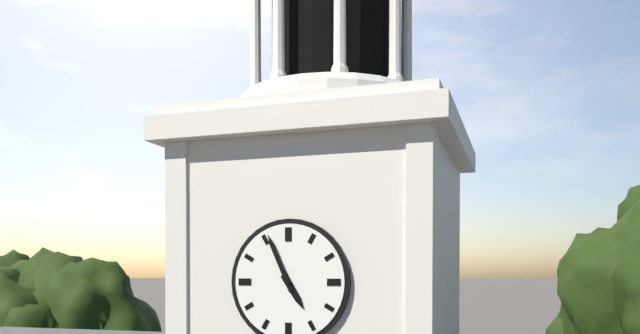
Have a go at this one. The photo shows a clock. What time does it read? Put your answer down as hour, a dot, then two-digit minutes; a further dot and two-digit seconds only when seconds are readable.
4.56
